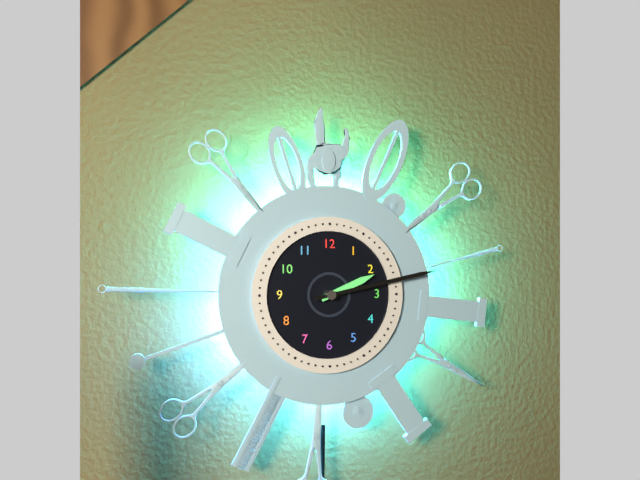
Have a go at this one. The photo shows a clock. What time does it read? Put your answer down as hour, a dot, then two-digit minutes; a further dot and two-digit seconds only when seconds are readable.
2.13
